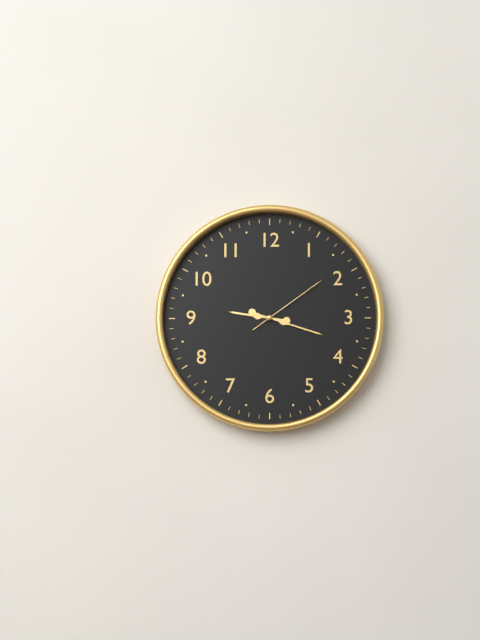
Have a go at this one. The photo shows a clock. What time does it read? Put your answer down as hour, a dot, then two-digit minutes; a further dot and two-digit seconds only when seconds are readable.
9.18.09
